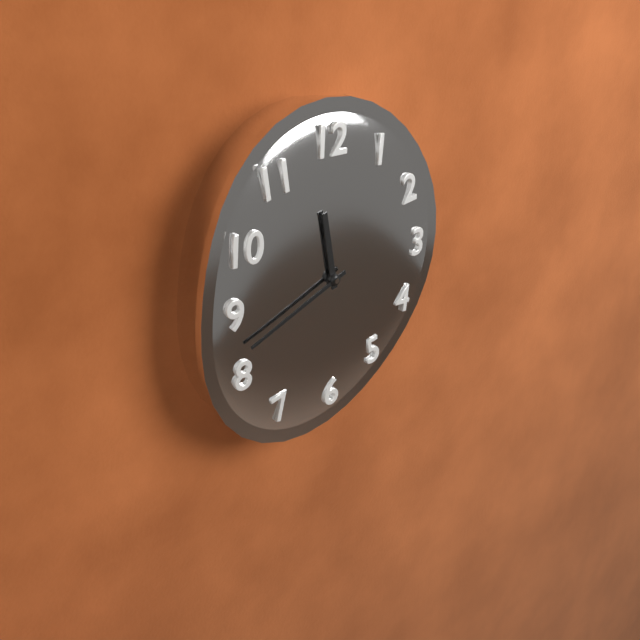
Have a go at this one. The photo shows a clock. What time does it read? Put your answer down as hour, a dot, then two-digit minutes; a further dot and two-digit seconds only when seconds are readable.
11.42
